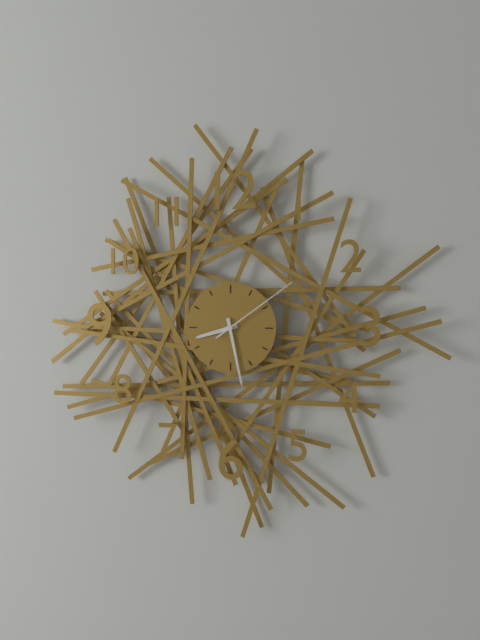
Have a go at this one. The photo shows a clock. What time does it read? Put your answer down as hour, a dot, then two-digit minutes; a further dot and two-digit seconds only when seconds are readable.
8.28.09
